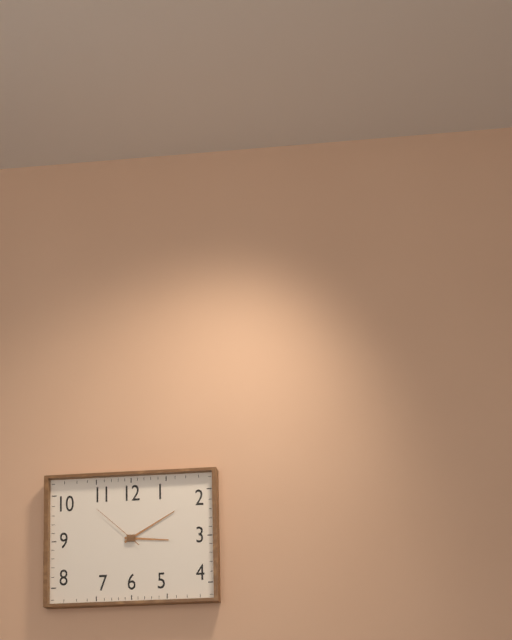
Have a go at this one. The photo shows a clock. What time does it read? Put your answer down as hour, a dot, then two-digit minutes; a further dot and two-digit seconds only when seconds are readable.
3.10.52
